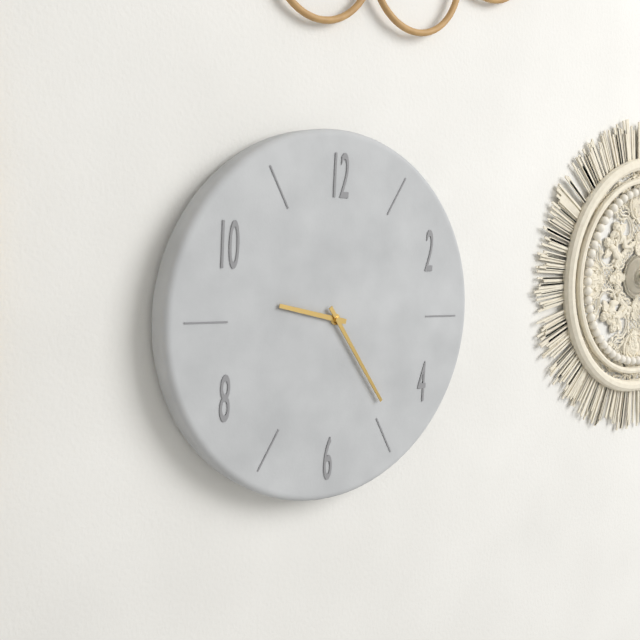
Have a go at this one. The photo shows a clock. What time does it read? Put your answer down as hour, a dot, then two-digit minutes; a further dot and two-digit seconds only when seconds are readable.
9.24
